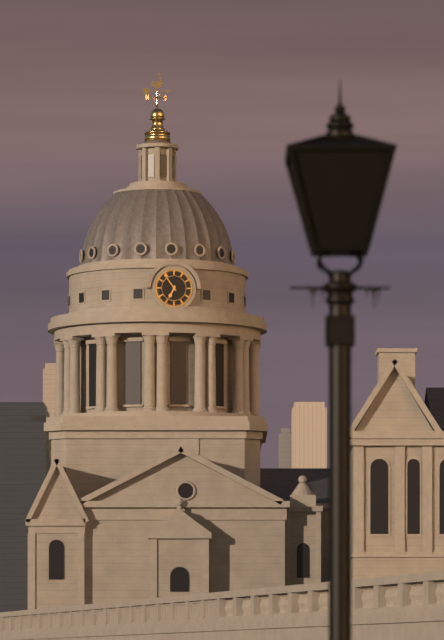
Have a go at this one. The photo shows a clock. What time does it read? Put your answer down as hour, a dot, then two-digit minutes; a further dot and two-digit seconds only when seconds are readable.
6.54
